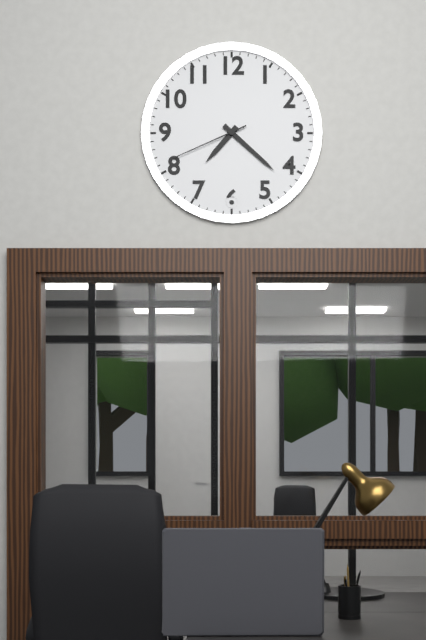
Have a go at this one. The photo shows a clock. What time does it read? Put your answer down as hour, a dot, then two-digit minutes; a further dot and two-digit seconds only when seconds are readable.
7.22.41
